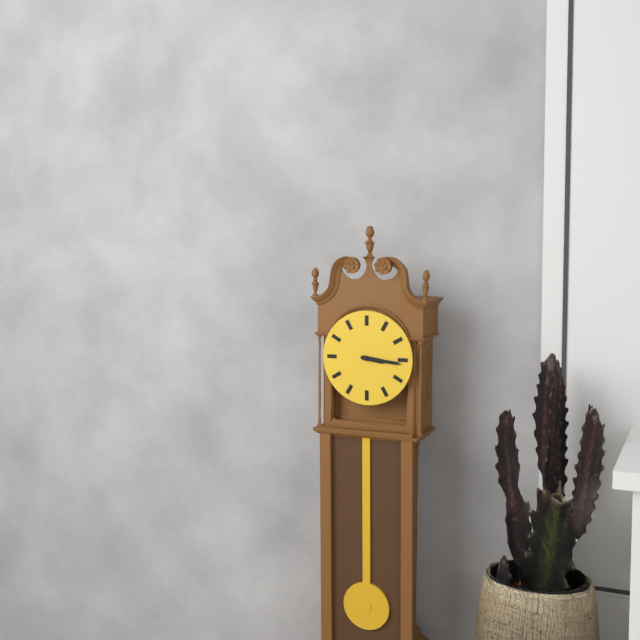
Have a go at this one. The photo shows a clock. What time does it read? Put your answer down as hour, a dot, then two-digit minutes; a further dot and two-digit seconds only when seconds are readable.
3.16
